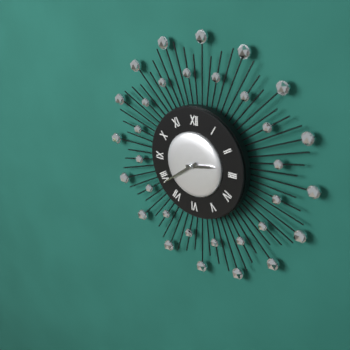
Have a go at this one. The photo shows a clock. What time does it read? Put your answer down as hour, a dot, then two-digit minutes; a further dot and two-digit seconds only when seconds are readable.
2.39
